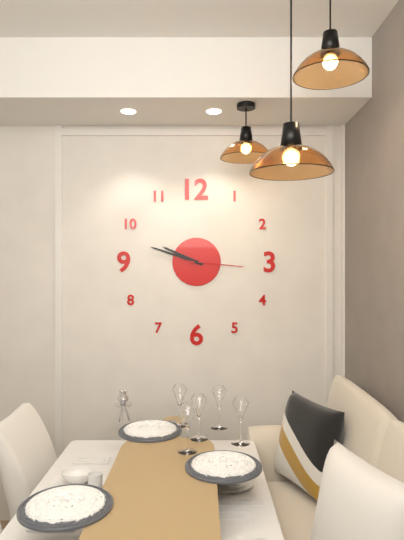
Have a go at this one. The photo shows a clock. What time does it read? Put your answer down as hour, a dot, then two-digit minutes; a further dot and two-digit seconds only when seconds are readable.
9.48.16
